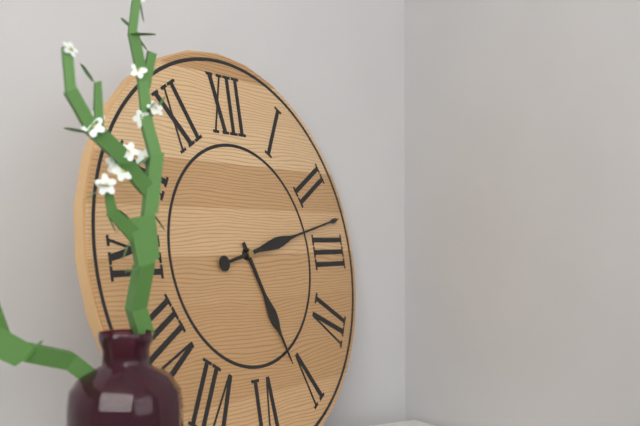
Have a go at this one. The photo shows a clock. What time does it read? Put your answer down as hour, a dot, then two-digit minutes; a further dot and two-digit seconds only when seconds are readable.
5.13
